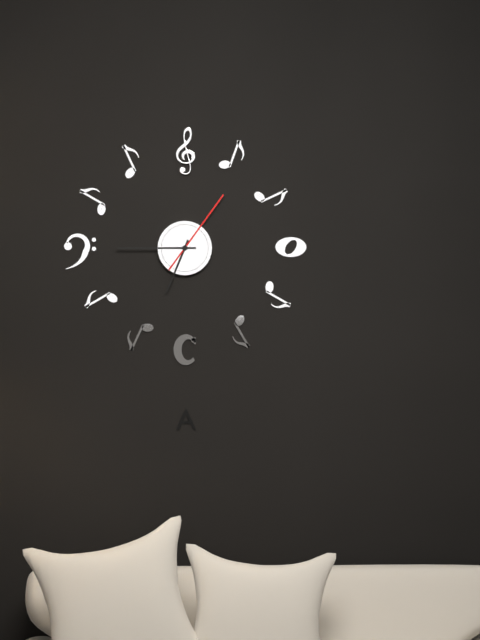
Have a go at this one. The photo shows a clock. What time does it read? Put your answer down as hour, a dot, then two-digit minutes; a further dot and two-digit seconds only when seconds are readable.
6.45.06
